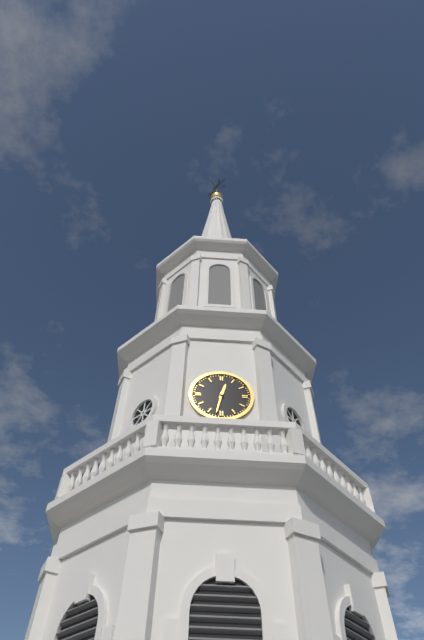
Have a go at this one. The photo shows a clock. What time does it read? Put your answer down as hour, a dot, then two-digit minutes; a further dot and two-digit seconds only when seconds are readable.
12.32
